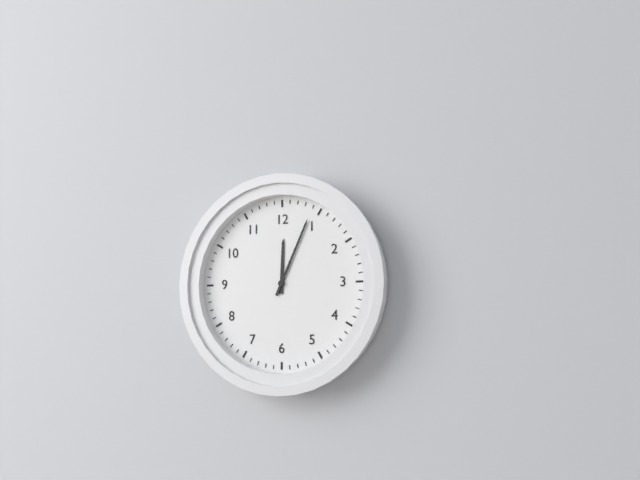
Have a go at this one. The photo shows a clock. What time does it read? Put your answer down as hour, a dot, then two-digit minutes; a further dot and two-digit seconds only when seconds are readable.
12.04
